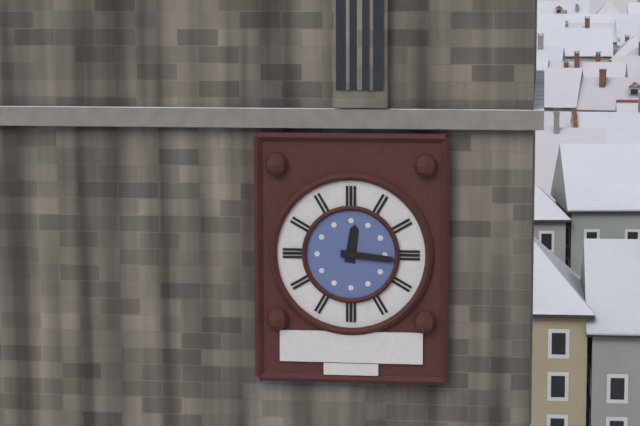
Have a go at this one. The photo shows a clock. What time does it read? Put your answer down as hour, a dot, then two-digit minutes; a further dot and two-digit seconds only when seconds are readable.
12.16
